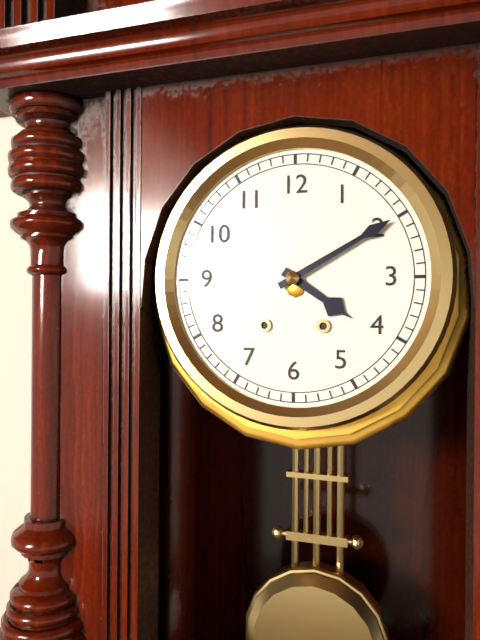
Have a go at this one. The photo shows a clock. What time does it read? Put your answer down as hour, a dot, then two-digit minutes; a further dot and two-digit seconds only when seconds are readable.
4.10
